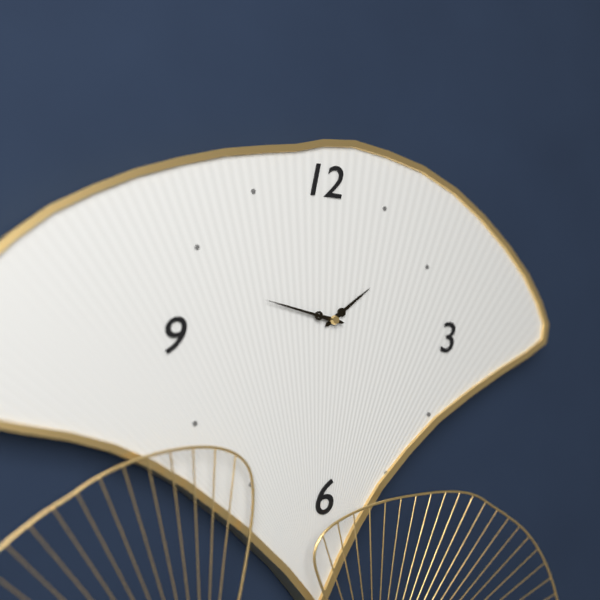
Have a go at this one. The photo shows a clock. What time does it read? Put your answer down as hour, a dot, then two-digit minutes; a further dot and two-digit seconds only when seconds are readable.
1.47
